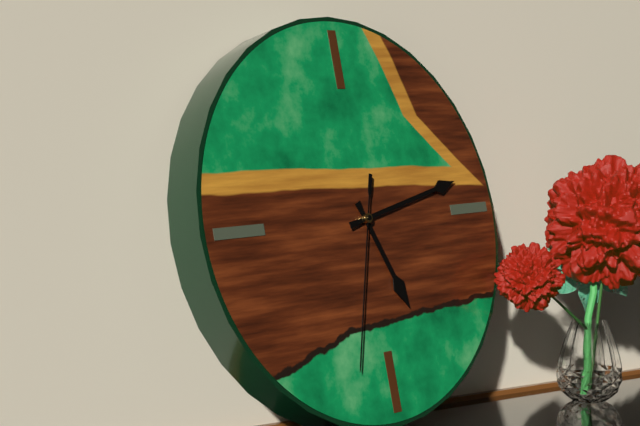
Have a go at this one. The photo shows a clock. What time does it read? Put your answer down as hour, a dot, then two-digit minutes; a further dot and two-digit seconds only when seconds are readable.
5.13.33
